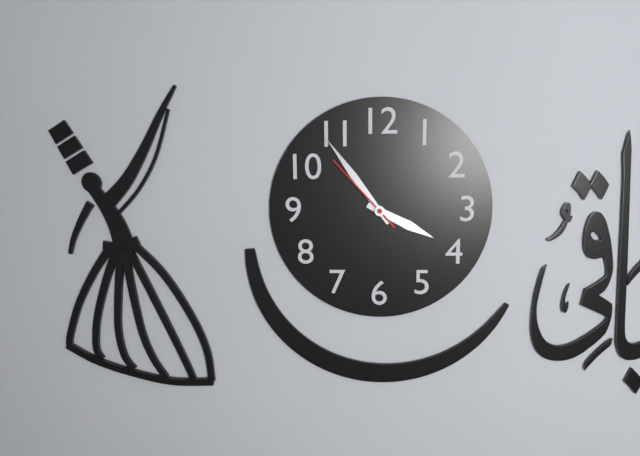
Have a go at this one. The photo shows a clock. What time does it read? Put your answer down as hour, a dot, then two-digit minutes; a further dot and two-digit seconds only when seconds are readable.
3.54.53
